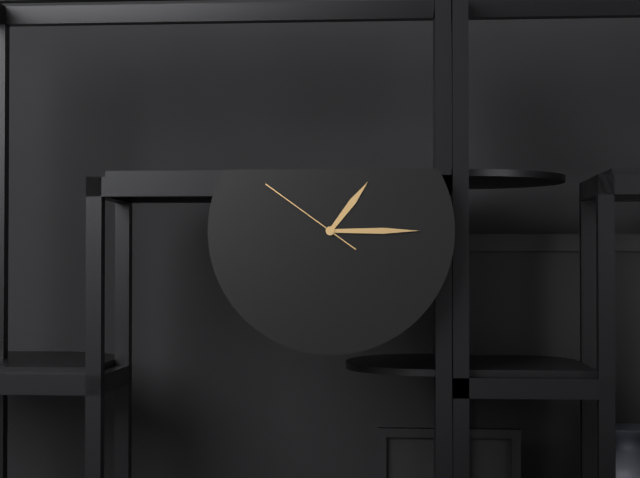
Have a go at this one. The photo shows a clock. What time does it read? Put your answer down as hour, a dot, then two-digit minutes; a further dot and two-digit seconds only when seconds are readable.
1.15.51
